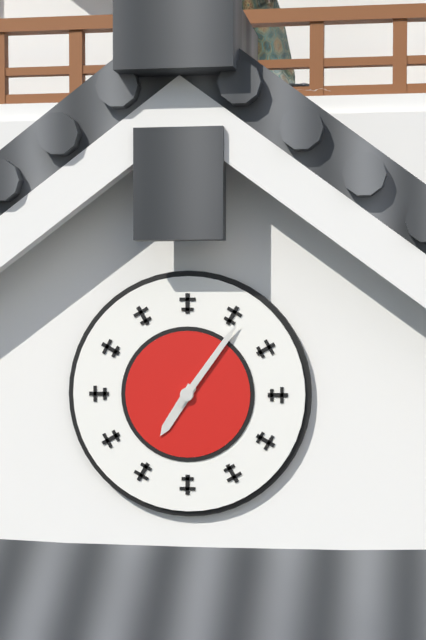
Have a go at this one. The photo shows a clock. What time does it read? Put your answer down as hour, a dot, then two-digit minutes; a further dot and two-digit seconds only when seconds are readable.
7.06
